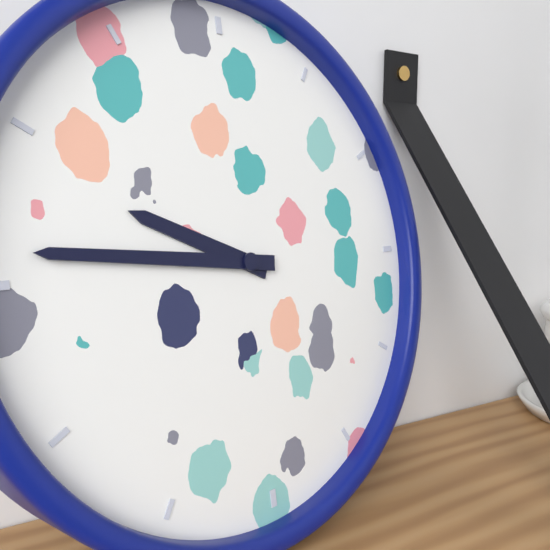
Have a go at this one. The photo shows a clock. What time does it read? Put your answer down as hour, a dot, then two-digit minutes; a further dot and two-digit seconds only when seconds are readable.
9.46
